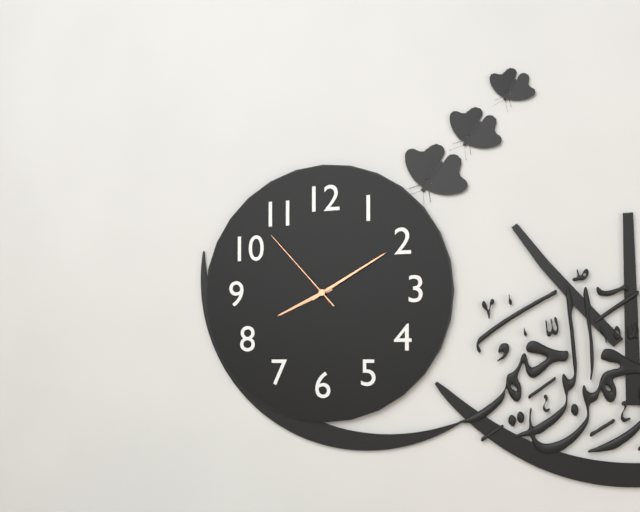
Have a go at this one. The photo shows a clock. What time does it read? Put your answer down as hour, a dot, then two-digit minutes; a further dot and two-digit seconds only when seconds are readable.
8.10.53
